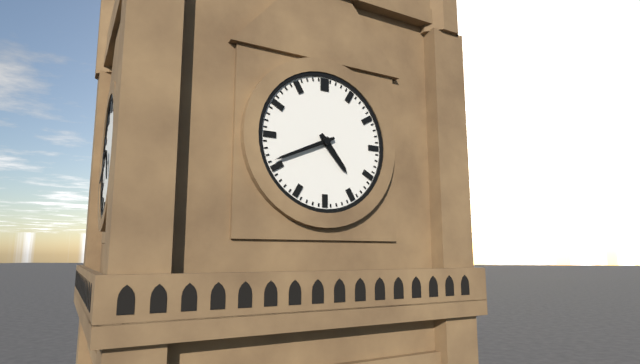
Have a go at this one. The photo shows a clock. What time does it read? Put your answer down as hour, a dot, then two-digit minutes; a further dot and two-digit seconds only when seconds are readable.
4.41
